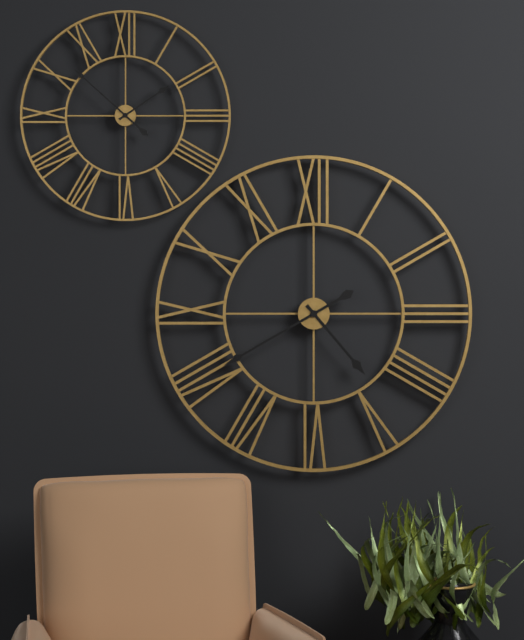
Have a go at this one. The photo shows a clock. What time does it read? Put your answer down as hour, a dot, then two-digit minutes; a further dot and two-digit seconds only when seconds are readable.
4.40
